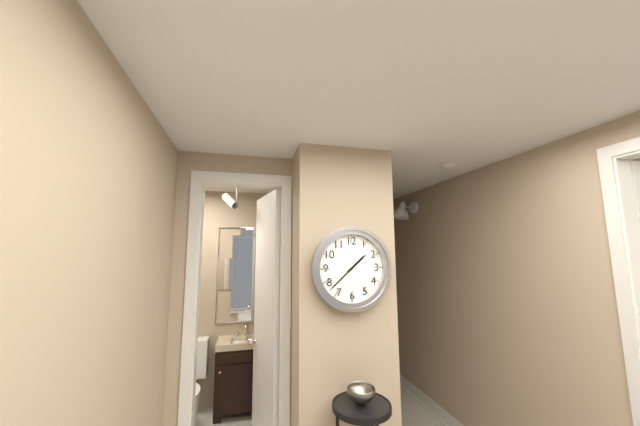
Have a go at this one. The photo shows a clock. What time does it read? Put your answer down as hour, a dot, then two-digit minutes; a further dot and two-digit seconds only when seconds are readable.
1.38
